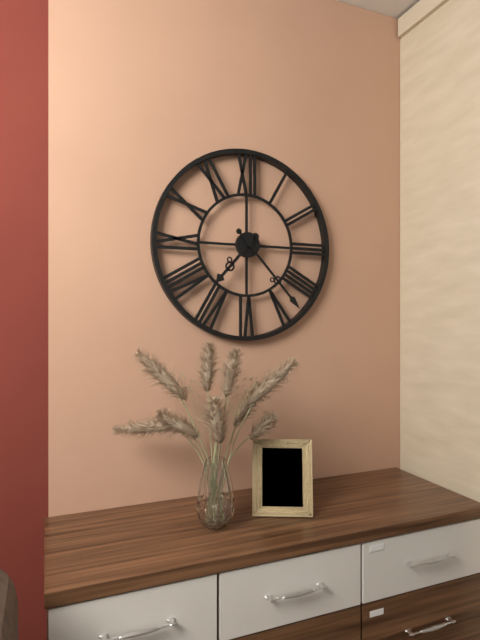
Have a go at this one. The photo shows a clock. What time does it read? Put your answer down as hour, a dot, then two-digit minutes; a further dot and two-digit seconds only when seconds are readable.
7.23
